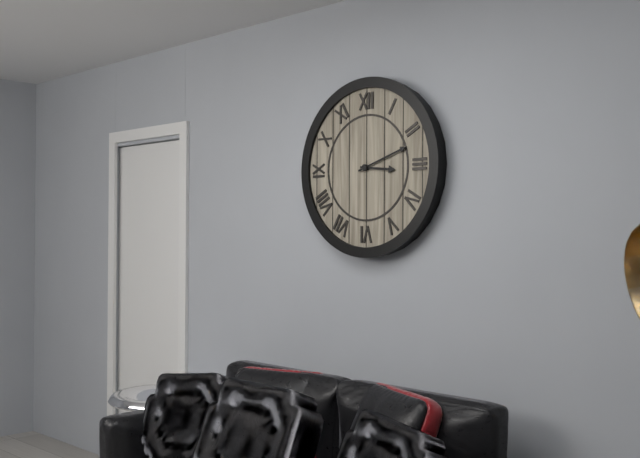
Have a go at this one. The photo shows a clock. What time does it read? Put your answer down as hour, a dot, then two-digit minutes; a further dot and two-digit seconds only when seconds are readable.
3.12
